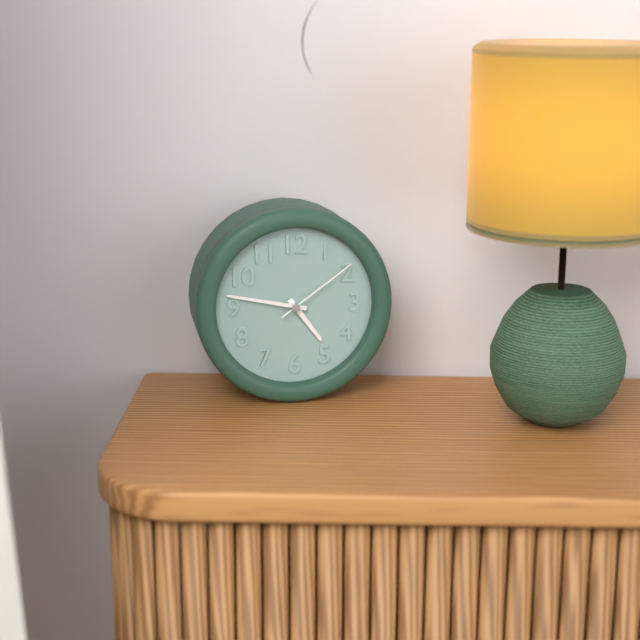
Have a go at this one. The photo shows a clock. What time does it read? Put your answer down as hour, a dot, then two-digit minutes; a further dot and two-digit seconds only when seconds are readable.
4.47.09
